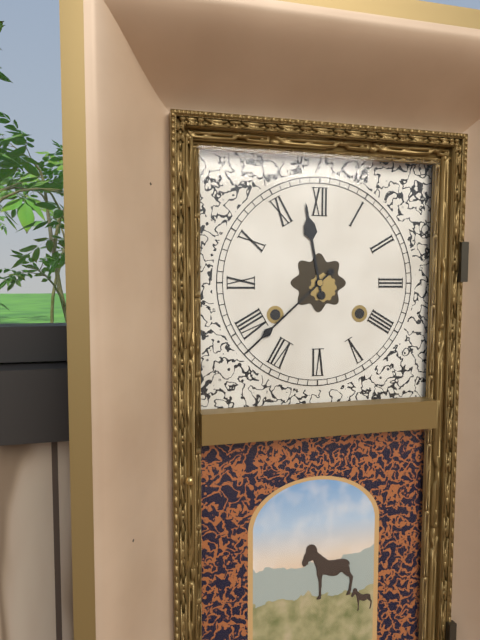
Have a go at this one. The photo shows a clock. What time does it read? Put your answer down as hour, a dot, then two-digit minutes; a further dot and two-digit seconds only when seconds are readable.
11.38
